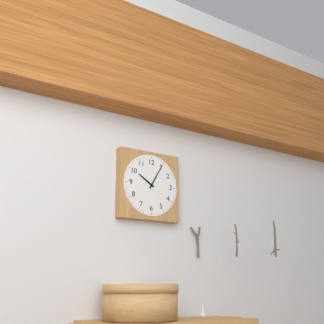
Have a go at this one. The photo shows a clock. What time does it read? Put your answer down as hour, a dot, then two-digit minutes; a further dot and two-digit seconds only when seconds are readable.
10.05
